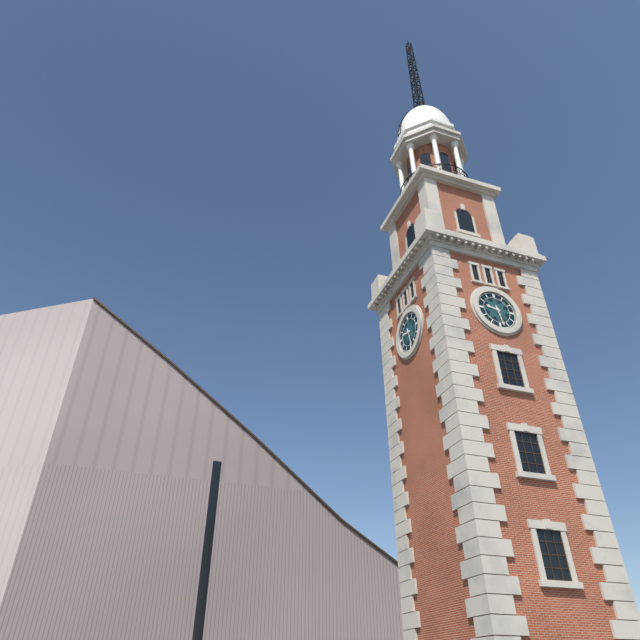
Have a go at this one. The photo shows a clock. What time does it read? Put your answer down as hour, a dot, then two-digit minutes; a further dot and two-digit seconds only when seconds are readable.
9.28
